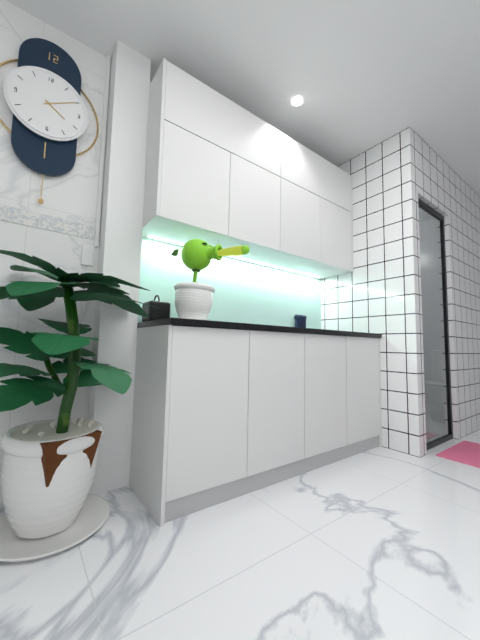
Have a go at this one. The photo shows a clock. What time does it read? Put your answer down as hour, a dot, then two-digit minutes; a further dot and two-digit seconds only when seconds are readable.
4.10
